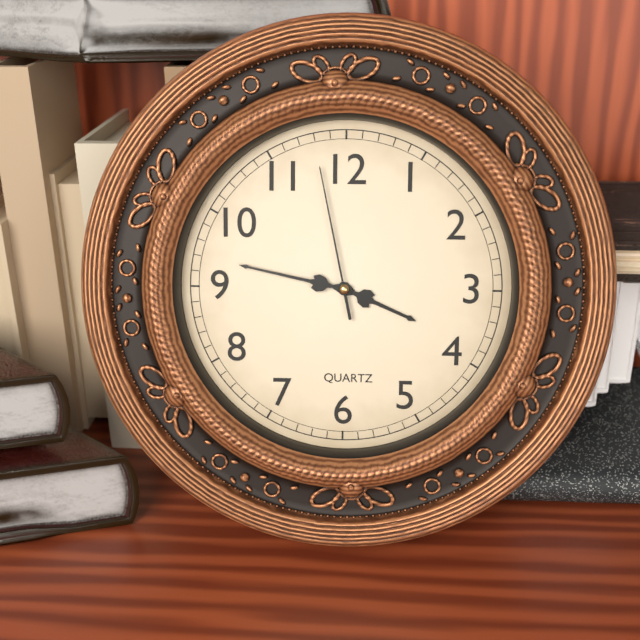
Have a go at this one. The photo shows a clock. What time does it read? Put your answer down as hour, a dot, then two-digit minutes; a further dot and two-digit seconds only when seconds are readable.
3.47.58
